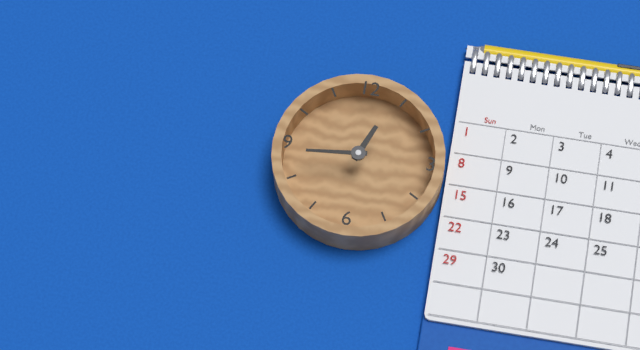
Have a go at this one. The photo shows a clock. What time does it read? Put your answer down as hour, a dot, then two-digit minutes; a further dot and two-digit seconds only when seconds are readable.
12.44
